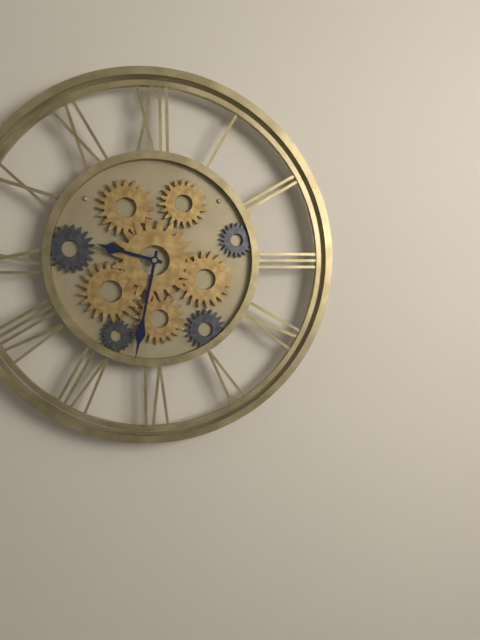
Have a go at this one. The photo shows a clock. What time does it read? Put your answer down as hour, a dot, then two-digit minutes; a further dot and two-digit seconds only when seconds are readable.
9.32
